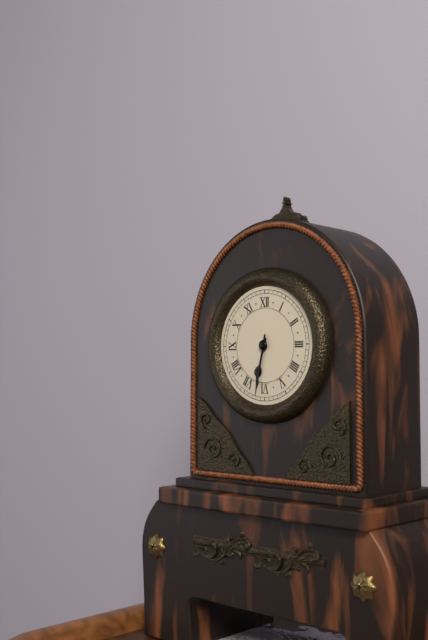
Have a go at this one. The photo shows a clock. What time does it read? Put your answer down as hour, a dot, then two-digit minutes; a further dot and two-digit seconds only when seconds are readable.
6.32
